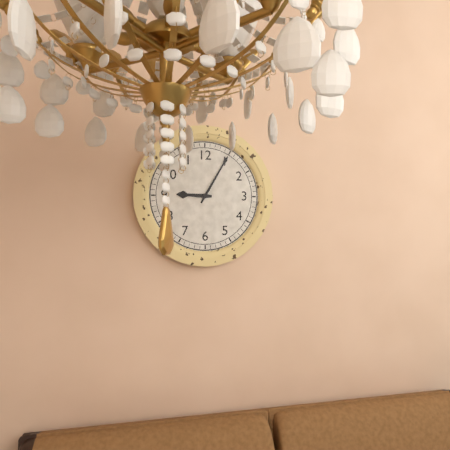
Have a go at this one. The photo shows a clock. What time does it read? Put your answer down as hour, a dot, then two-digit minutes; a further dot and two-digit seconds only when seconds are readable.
9.05
